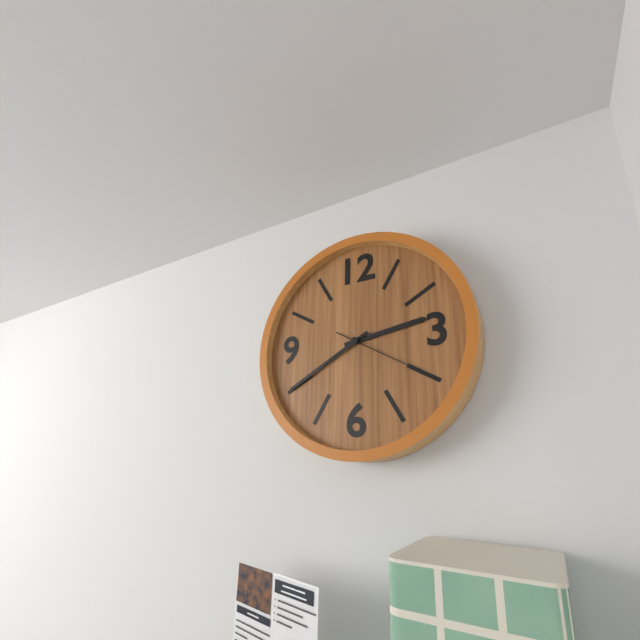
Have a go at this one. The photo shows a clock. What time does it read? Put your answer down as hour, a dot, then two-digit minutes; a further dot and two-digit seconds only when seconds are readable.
2.40.20
